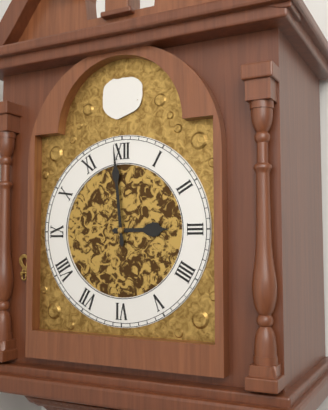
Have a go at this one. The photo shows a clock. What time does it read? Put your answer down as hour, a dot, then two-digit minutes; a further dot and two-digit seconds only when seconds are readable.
2.59
